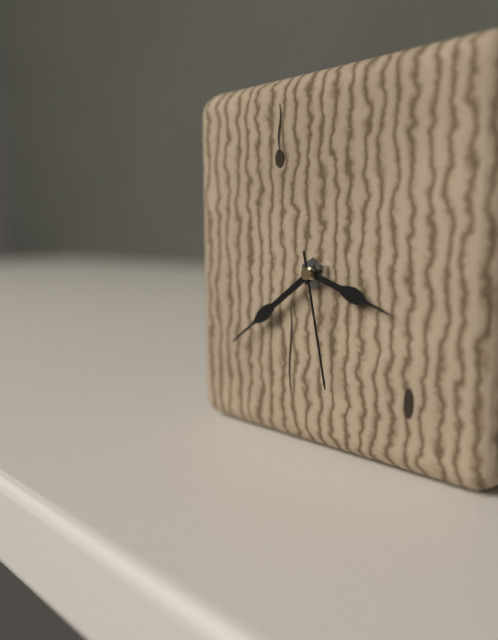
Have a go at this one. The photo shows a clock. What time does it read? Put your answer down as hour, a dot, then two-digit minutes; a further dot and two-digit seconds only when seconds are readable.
3.39.28
